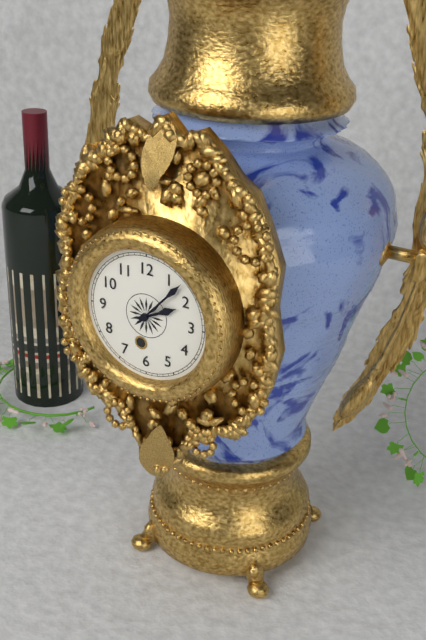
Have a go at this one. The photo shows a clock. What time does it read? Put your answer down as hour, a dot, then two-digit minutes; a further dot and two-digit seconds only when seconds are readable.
2.07
